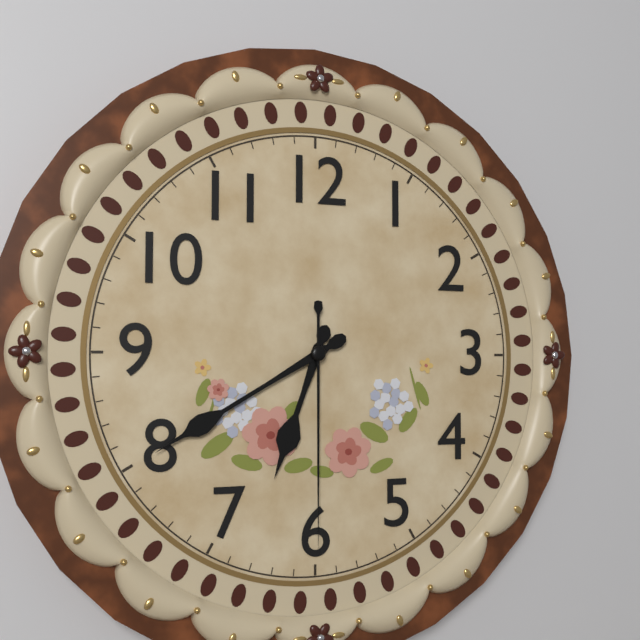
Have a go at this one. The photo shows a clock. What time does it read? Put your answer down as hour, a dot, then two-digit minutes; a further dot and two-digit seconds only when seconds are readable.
6.40.30
